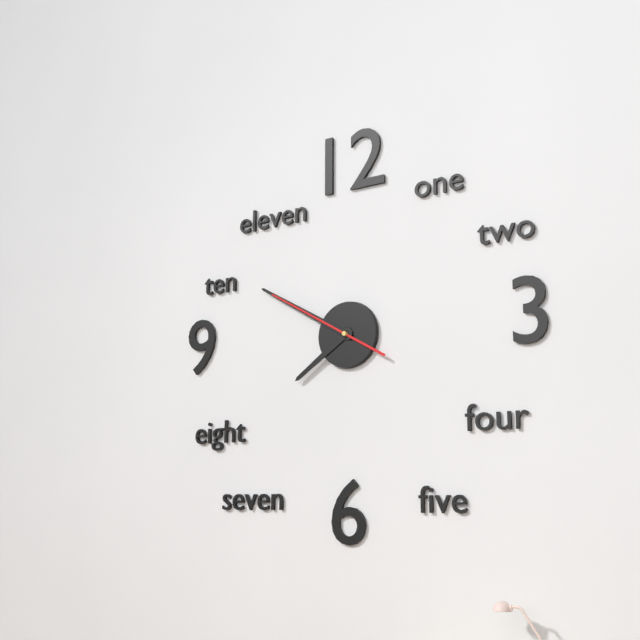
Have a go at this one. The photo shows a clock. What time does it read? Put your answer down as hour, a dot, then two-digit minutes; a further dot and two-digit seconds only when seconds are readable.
7.50.50
